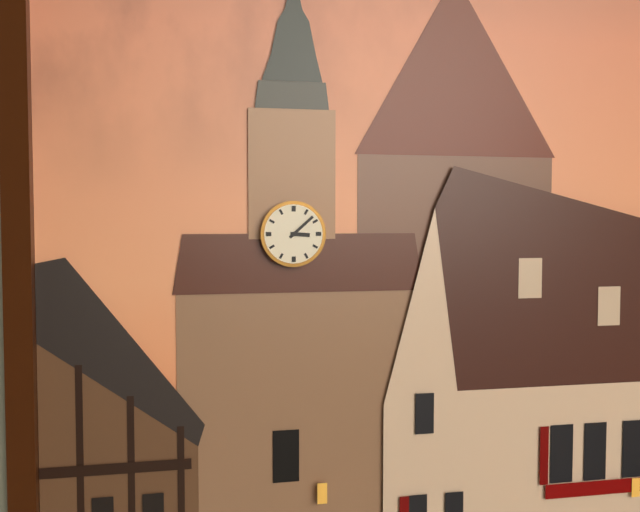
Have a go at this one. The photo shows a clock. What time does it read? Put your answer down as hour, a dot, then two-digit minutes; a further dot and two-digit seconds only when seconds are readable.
3.08
